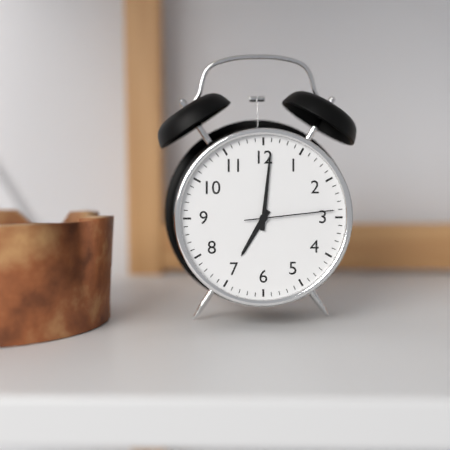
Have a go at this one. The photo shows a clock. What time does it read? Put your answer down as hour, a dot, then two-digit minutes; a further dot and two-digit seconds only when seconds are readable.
7.01.14
